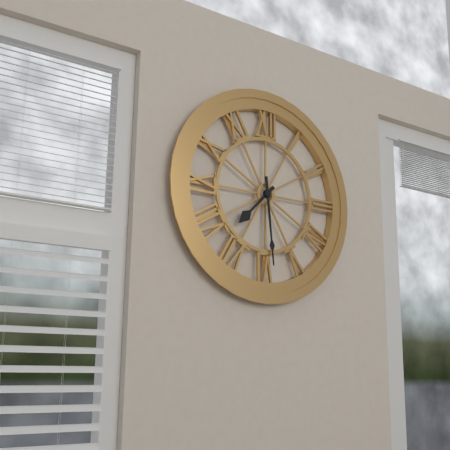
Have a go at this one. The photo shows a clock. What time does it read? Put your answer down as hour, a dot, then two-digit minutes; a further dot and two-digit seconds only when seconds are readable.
7.29
